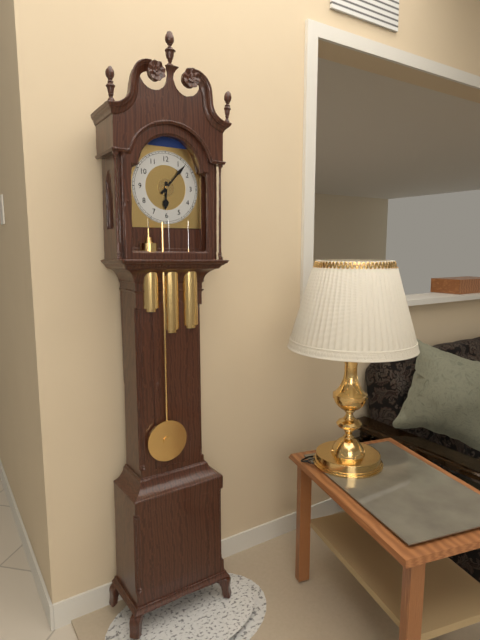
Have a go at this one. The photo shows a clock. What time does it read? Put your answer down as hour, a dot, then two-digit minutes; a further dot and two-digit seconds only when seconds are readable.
6.07
